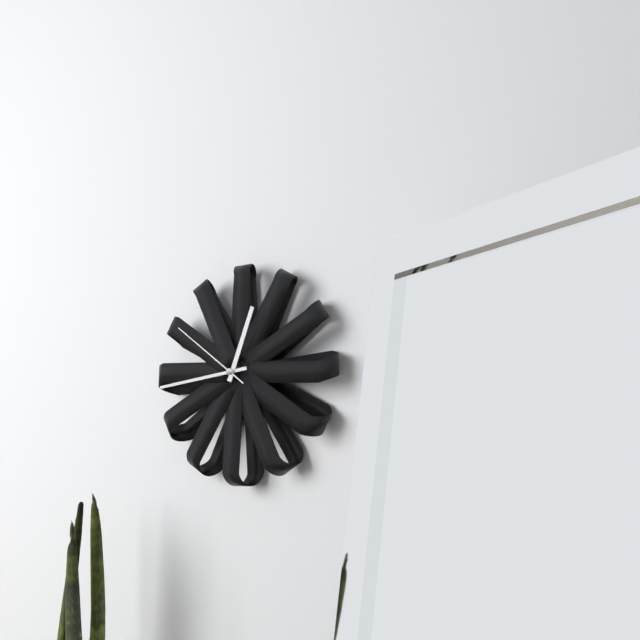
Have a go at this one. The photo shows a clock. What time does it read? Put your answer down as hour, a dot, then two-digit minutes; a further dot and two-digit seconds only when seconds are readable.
12.44.51
